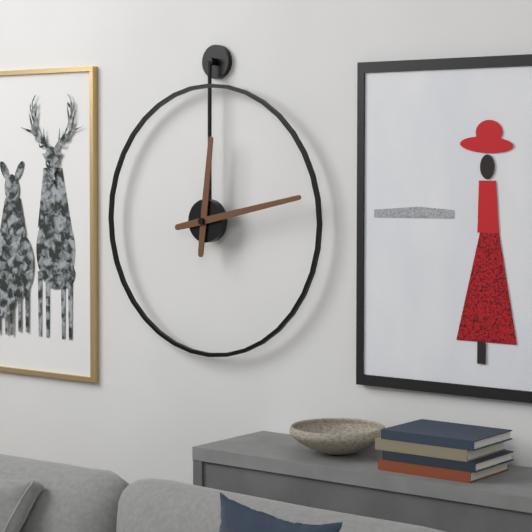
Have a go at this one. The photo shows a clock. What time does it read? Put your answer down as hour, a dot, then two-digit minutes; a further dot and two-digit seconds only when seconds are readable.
12.13
